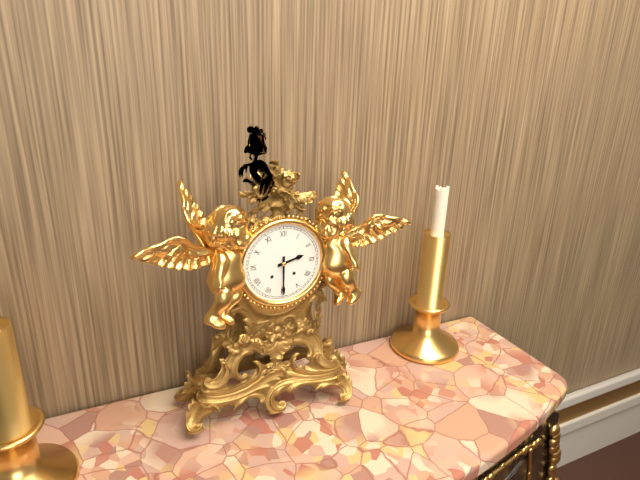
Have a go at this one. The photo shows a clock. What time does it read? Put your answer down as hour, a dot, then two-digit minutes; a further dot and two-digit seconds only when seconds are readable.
2.30
